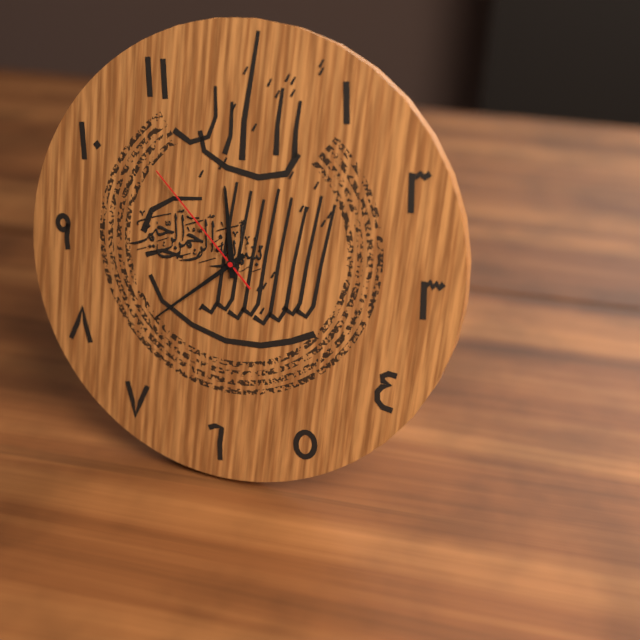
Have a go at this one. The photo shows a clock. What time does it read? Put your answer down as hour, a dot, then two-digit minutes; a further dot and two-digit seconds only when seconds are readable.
11.38.52
